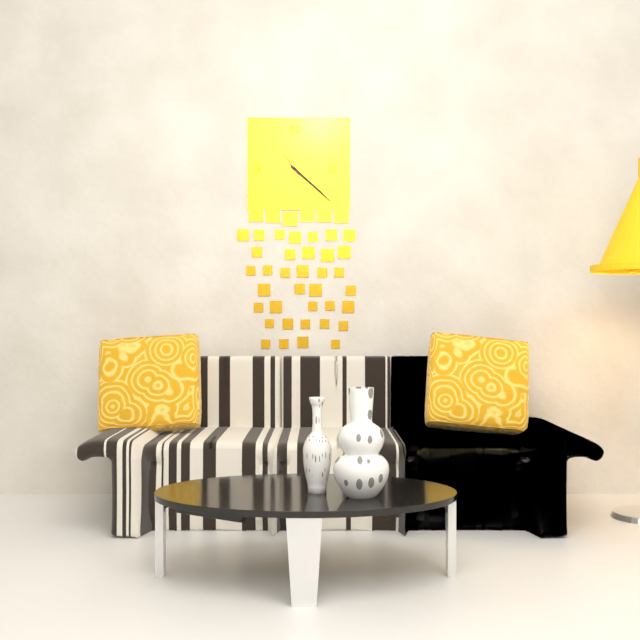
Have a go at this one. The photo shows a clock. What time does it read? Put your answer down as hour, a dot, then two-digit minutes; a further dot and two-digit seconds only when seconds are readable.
4.22
